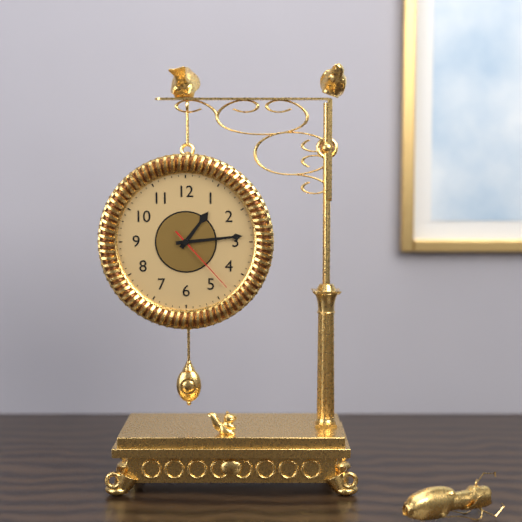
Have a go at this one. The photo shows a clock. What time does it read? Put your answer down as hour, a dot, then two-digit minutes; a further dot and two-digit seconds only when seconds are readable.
1.14.23
